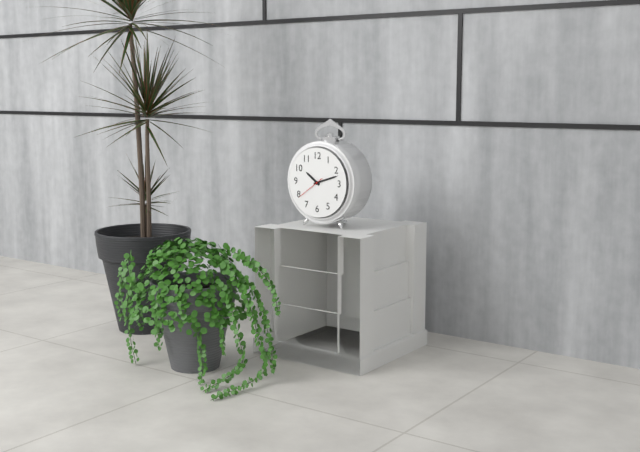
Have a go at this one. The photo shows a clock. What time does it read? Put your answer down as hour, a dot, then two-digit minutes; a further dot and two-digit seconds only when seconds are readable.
10.12
